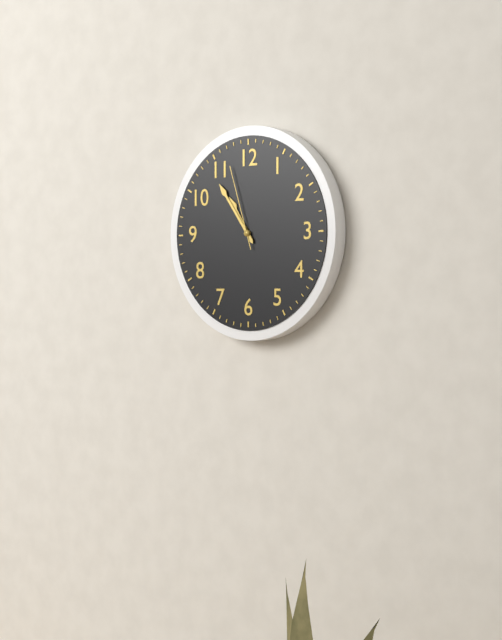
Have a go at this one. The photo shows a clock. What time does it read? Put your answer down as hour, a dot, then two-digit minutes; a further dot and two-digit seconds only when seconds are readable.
10.54.57
